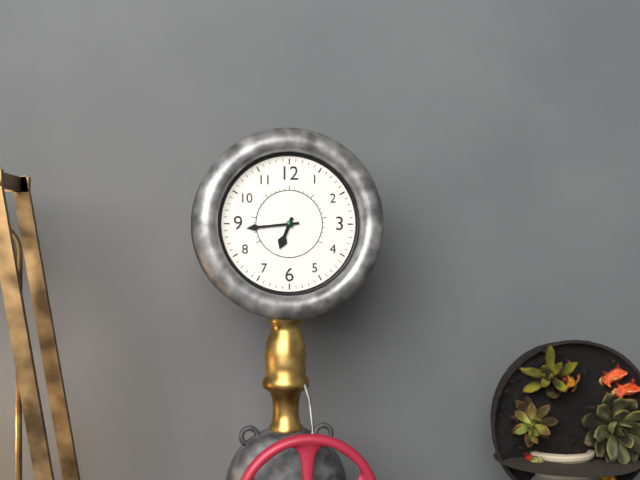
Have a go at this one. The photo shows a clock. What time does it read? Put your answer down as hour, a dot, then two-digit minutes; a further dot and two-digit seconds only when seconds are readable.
6.44
